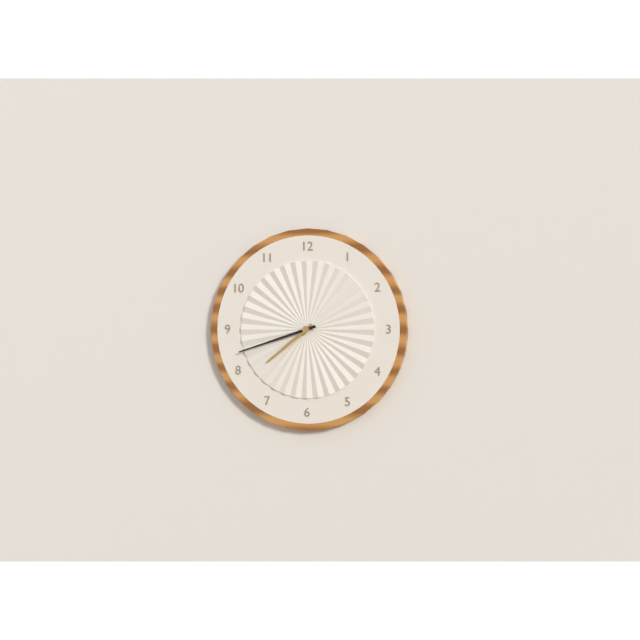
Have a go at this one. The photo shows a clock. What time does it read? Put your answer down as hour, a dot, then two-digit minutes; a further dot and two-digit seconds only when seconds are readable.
7.42
